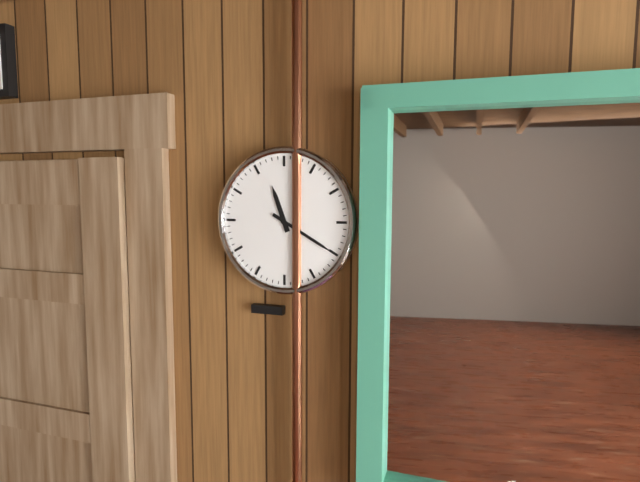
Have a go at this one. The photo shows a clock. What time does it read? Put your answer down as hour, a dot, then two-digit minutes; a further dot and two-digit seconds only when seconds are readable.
11.20
